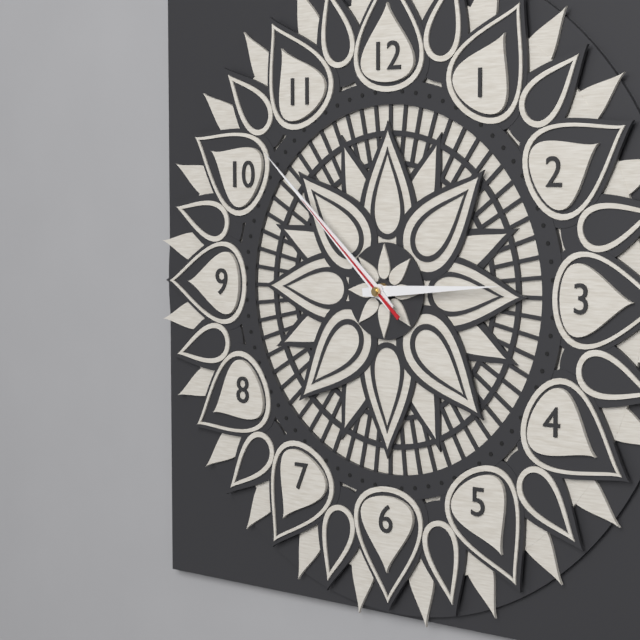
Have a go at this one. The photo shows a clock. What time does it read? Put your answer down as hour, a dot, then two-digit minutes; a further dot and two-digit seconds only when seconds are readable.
2.52.52
